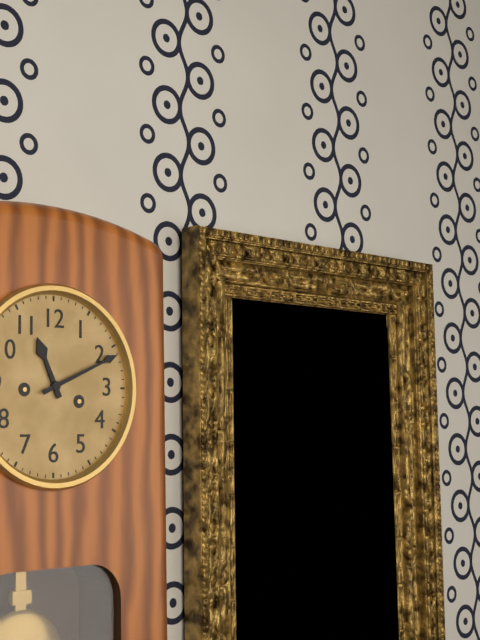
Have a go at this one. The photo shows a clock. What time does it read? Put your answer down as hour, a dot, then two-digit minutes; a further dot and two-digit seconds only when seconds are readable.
11.11
